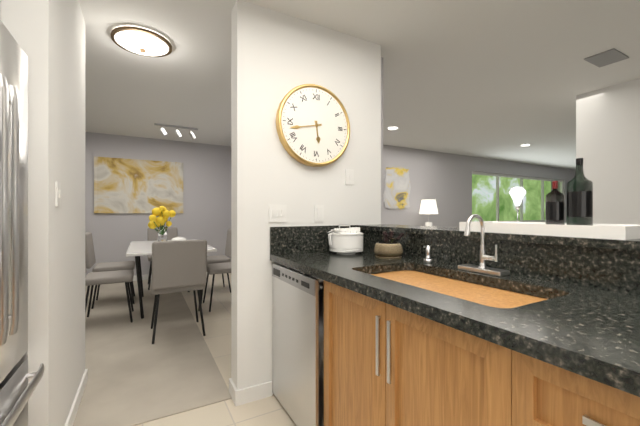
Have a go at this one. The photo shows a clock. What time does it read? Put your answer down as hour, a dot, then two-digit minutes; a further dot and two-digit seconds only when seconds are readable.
5.43
